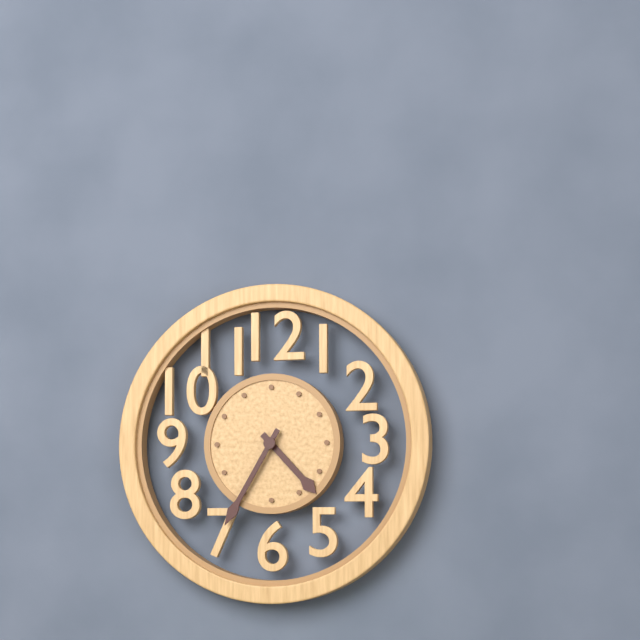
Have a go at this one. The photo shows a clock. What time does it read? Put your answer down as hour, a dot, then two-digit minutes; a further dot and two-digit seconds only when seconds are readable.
4.35
